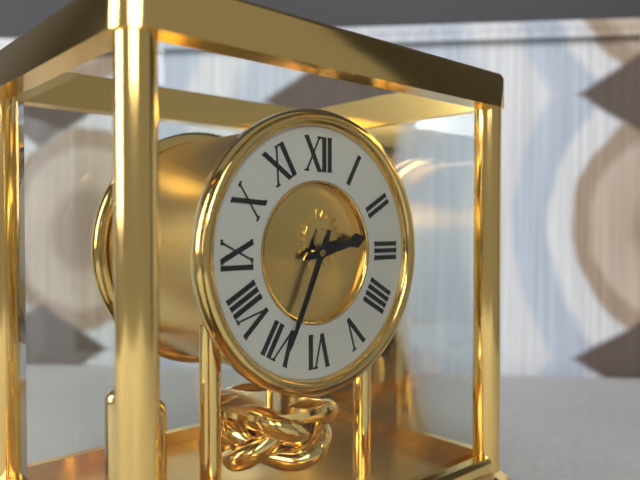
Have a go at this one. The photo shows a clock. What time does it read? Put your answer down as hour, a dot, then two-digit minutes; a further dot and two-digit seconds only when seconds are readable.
2.34
